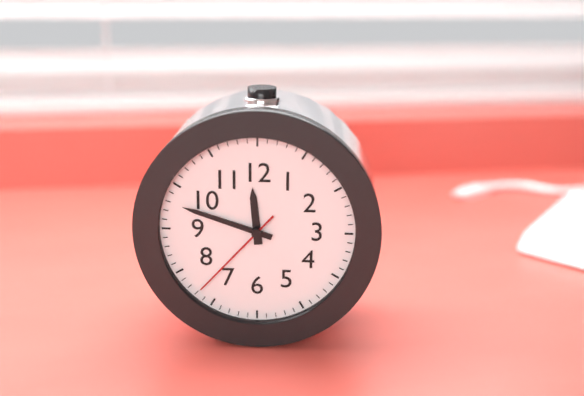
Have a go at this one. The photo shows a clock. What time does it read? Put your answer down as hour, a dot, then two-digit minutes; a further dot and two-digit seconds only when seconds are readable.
11.48.37
